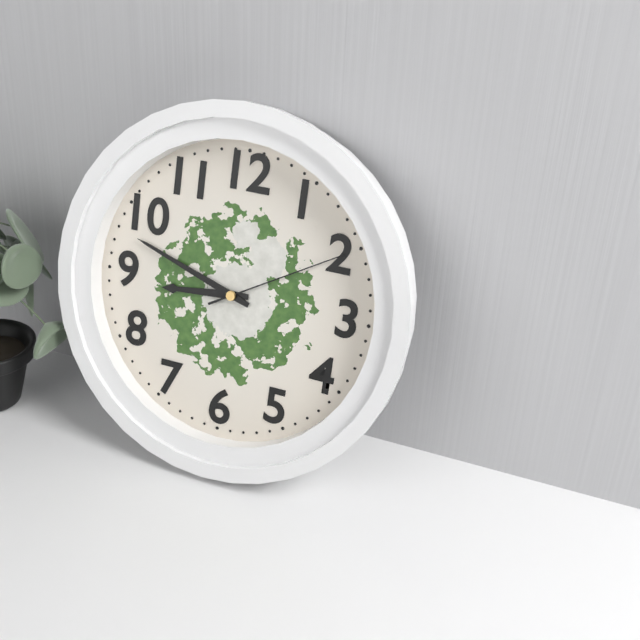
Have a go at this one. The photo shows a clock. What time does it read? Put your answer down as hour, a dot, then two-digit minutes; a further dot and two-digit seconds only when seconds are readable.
8.48.10
